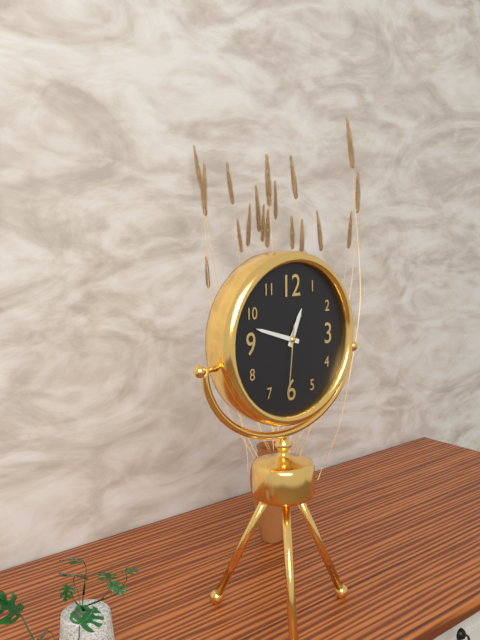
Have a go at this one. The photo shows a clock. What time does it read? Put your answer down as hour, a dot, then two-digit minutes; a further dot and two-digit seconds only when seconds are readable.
12.48.31
